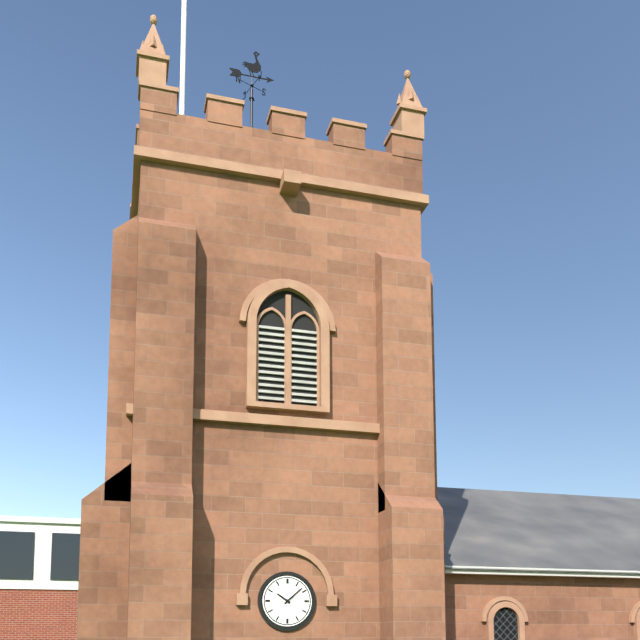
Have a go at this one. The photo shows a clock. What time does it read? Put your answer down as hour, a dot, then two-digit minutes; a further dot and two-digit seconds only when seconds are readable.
10.08
